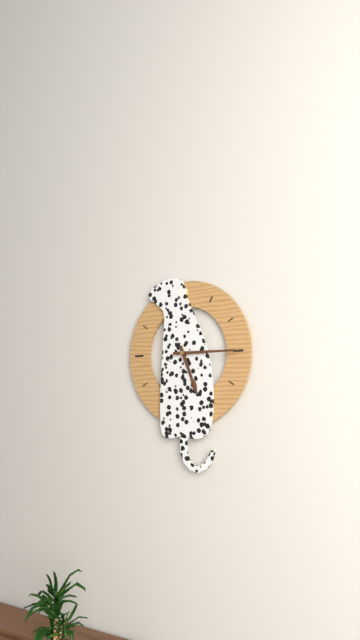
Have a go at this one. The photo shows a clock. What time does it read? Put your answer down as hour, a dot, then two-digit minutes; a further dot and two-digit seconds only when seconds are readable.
5.15
